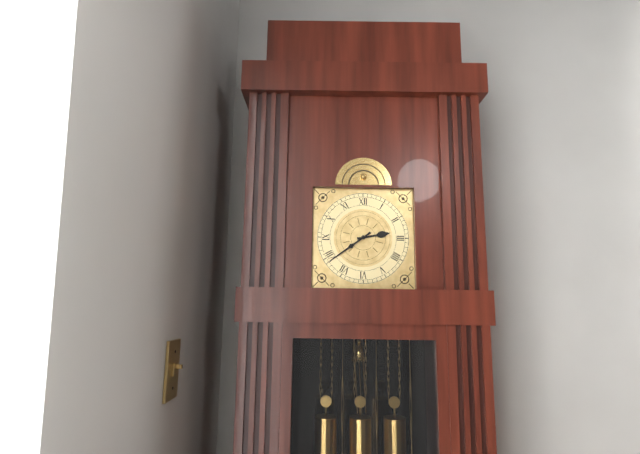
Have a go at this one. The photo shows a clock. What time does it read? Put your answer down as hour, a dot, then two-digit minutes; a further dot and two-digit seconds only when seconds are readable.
2.39
